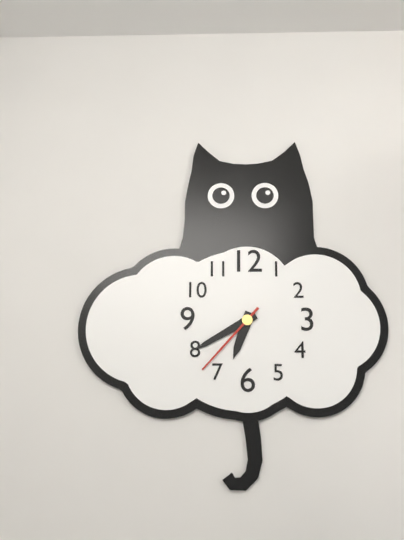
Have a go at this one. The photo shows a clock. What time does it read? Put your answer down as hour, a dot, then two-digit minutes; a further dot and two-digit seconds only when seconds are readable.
6.40.37
